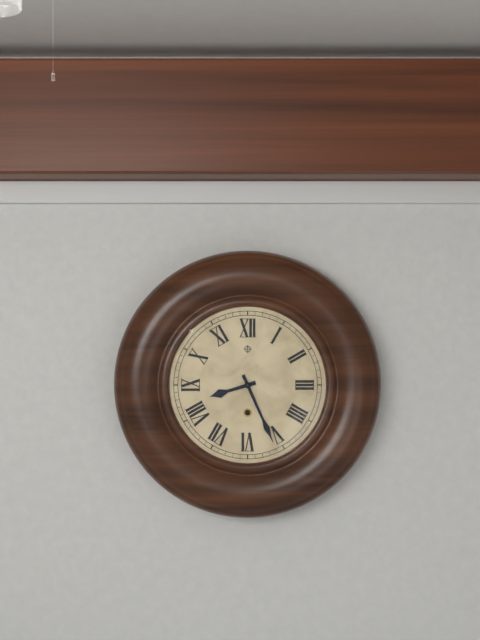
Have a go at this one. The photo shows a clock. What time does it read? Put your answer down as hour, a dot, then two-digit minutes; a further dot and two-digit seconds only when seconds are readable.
8.26
